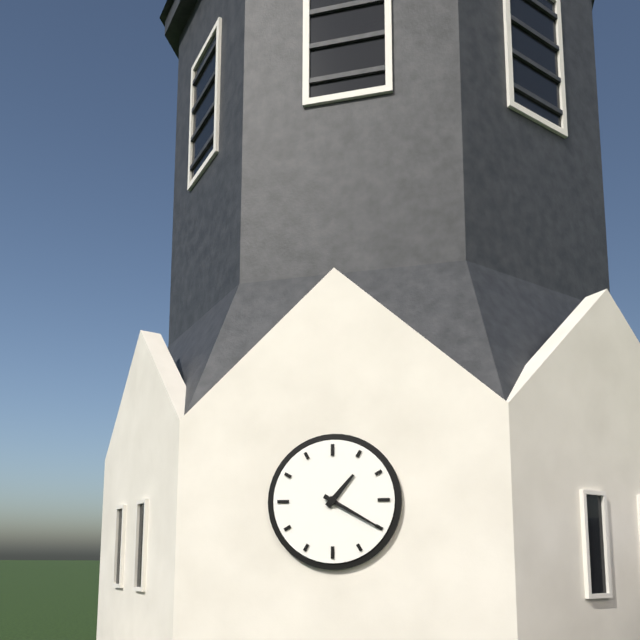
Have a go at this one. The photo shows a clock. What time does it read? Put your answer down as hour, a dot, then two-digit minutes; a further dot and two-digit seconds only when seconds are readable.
1.20
